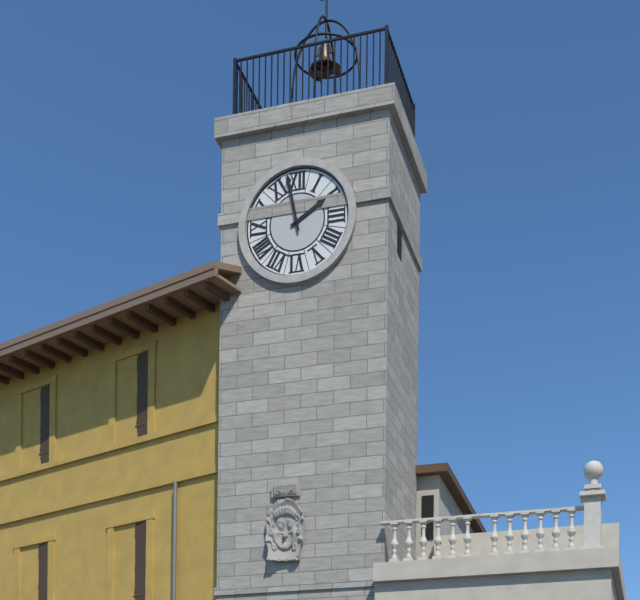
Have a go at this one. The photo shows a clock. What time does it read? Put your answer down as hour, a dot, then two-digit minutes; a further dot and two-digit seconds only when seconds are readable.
1.58
